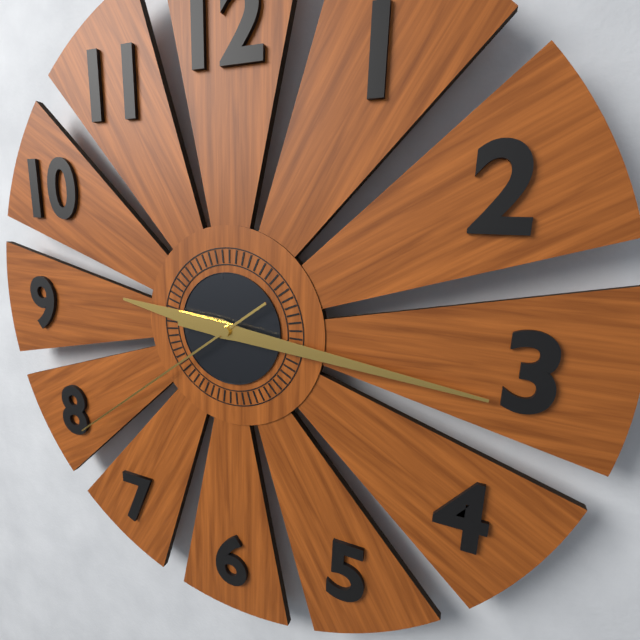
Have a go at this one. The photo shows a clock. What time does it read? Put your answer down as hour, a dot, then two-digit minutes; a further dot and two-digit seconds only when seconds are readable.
9.16.39
